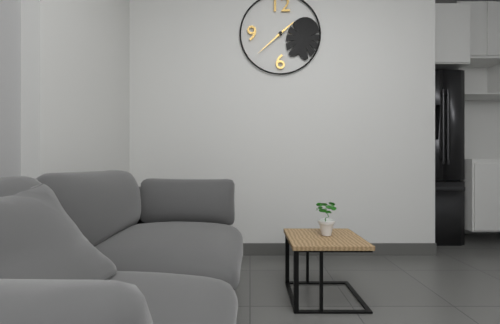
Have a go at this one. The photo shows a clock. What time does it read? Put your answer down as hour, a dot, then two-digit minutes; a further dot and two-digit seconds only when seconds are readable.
1.38
